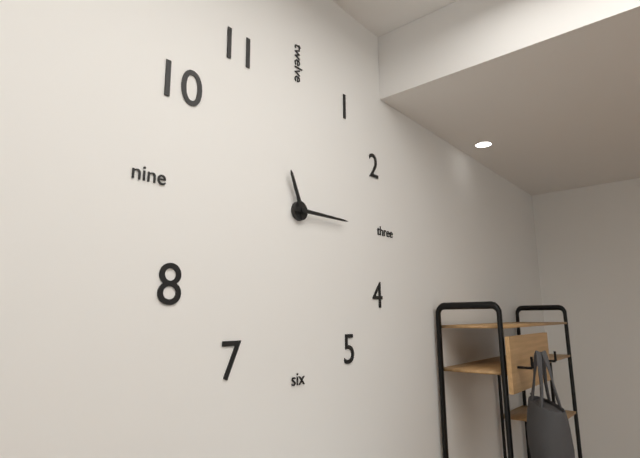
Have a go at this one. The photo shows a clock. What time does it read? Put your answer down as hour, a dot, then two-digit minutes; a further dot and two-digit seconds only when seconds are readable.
11.15
